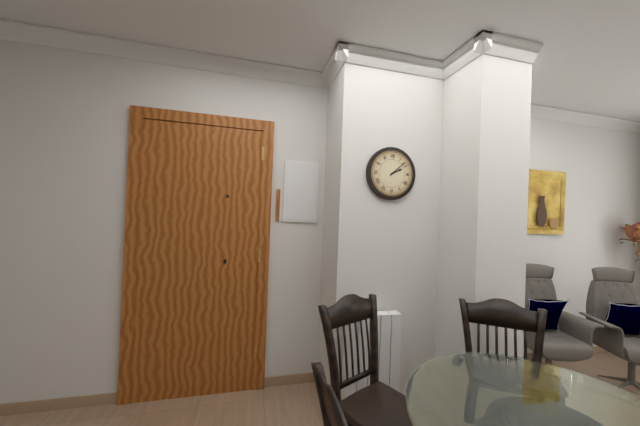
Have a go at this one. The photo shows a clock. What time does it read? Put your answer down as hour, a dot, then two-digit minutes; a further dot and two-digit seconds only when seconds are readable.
2.08
